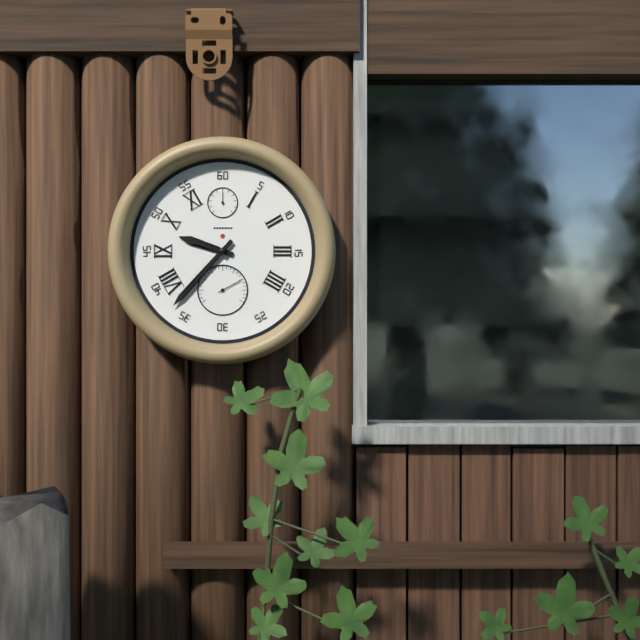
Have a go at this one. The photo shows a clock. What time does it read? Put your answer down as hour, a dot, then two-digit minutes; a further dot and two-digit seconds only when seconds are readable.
9.37
